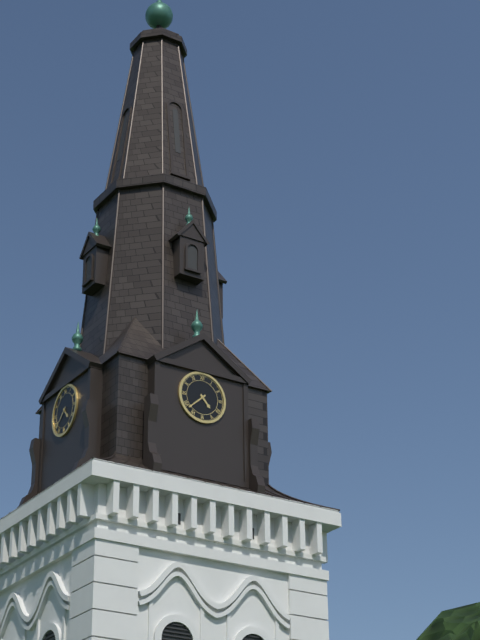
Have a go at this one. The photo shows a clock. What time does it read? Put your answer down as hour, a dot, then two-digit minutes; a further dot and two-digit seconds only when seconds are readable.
4.38
